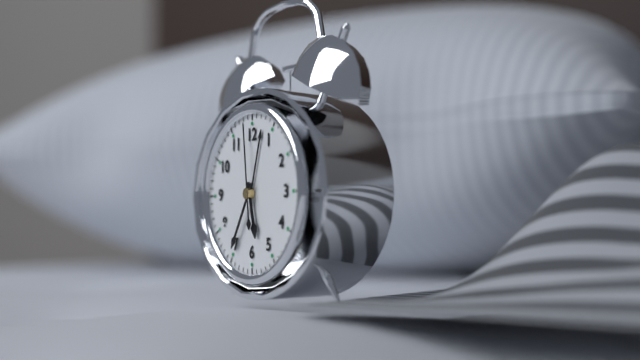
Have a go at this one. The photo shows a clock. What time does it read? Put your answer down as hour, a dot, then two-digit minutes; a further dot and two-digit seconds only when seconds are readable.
5.35.59
